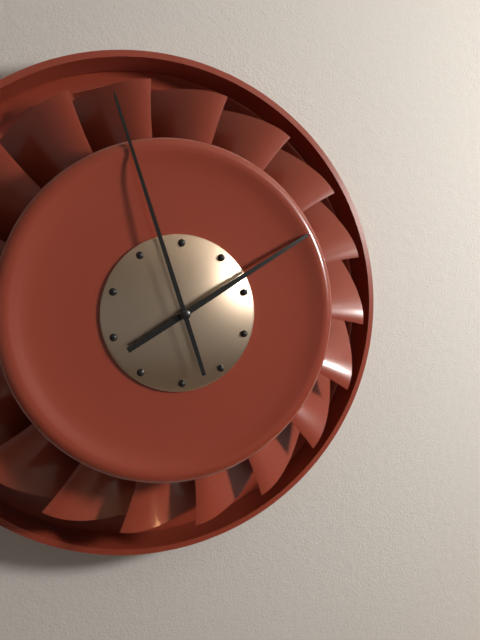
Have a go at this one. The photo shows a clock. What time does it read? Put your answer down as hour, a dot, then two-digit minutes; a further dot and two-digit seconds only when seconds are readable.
1.57
